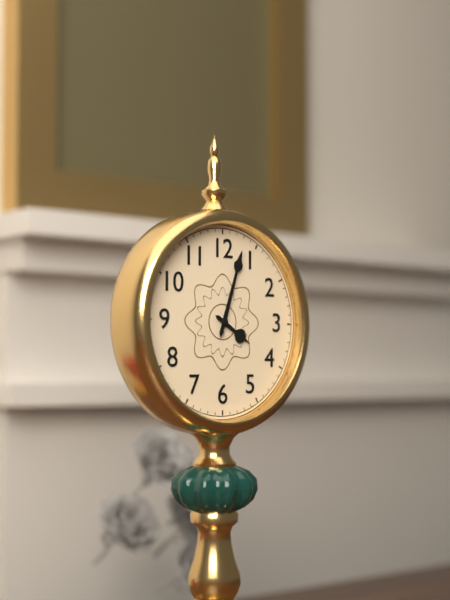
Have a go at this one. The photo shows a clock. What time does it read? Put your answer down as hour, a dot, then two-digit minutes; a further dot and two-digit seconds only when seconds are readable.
4.03
